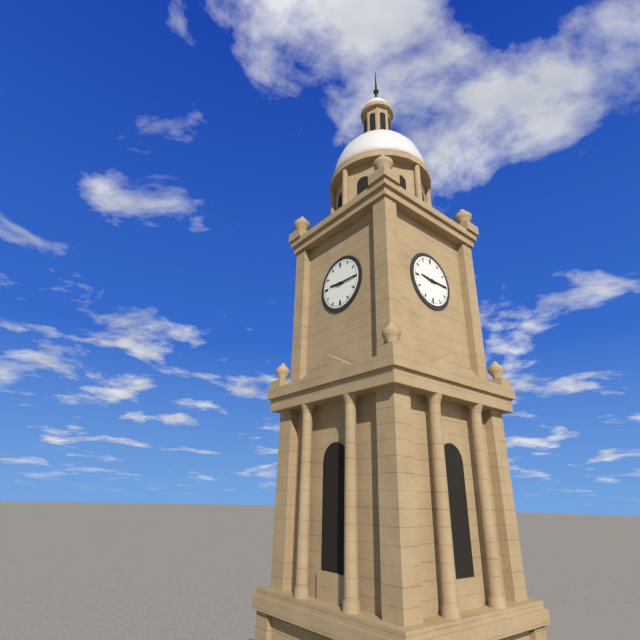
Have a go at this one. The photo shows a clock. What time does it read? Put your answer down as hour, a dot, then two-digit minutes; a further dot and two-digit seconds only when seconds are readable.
9.15
